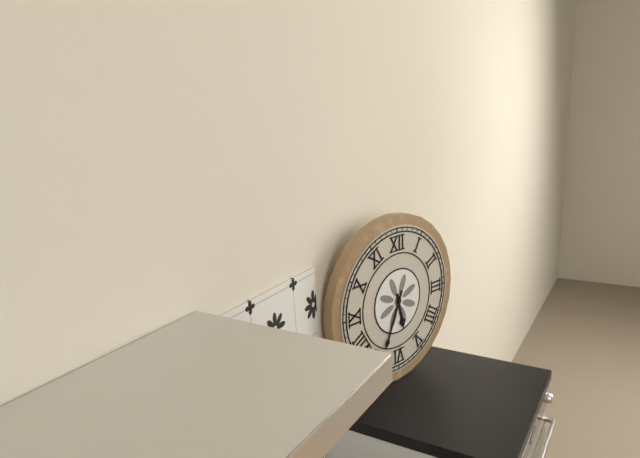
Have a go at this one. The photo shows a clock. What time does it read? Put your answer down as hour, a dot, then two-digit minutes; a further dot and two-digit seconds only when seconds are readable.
5.34
